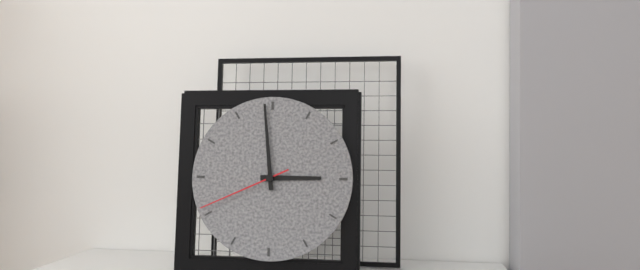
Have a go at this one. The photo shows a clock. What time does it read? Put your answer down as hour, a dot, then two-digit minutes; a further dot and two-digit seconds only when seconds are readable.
2.59.41
